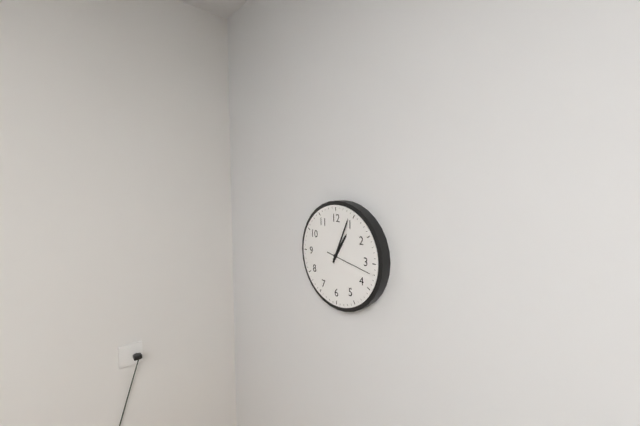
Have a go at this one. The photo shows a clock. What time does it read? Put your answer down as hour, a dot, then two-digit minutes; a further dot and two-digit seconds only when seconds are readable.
1.04
